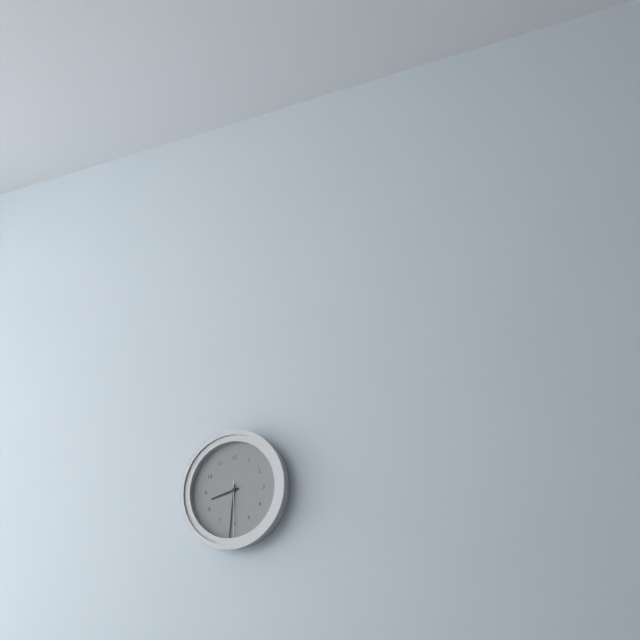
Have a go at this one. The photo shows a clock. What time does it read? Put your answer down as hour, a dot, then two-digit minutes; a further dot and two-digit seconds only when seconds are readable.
8.31.30
